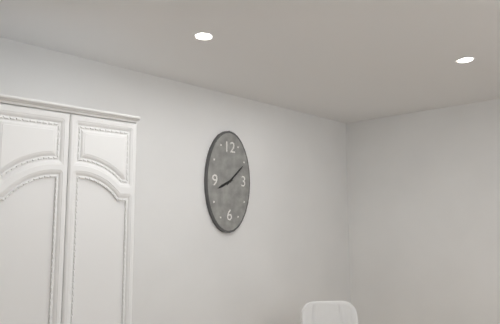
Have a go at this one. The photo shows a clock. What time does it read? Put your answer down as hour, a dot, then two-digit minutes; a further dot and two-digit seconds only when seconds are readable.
8.08
